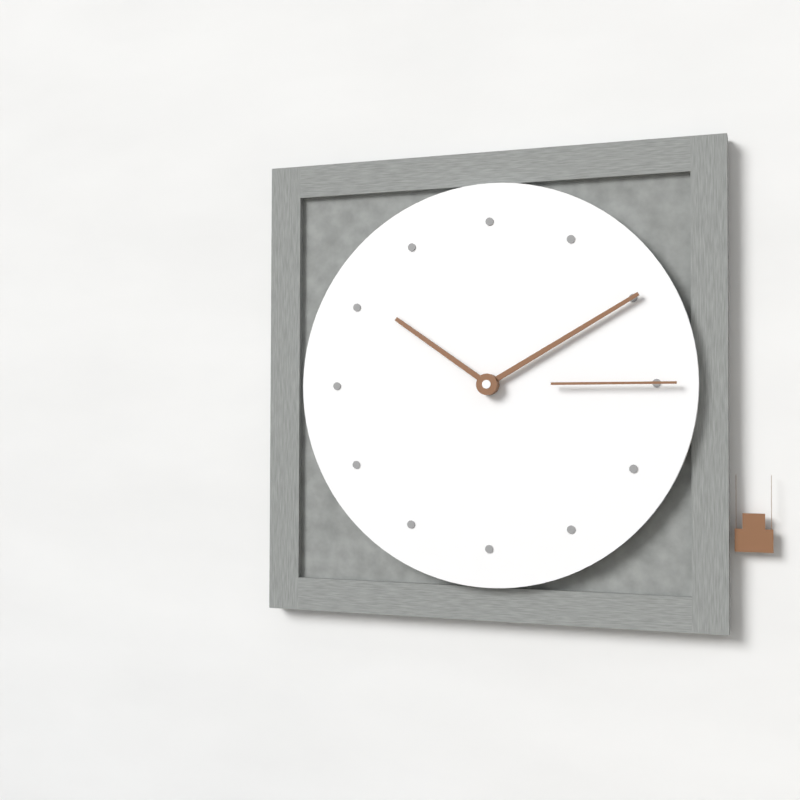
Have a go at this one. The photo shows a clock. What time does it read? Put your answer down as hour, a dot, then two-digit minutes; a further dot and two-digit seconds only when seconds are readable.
10.10.15
